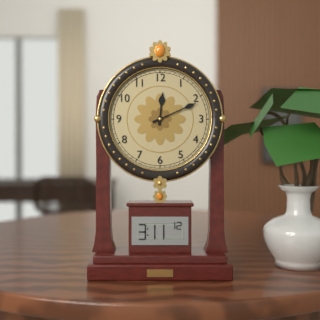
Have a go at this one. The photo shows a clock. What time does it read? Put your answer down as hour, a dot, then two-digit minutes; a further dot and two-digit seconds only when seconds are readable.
12.11
